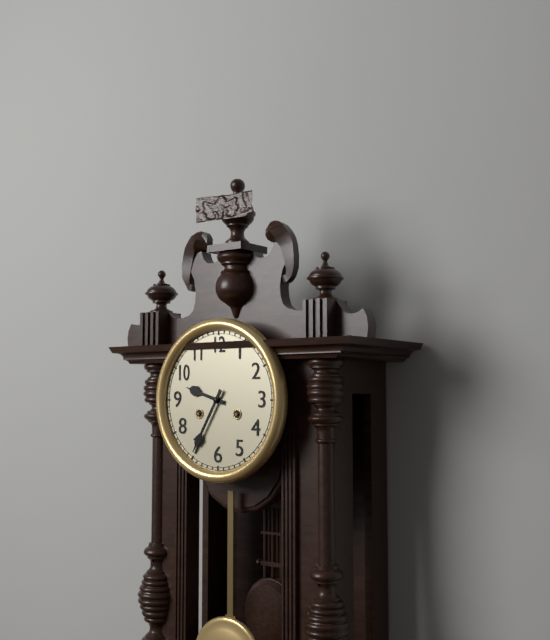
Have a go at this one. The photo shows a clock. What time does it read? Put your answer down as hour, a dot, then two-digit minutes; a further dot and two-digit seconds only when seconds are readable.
9.35
